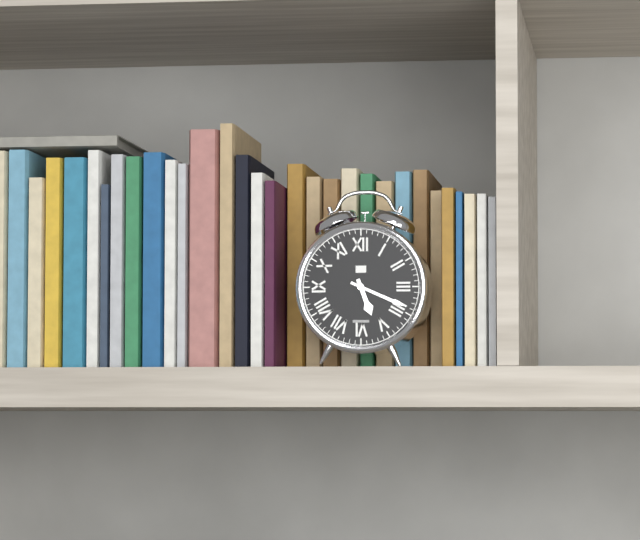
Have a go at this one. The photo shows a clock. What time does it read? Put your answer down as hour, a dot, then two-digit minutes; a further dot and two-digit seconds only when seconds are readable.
5.19
